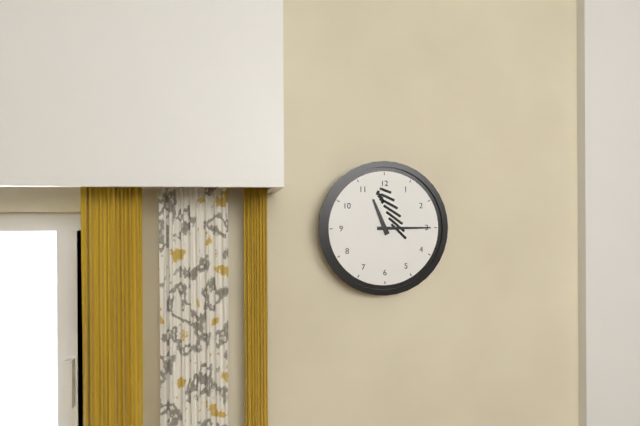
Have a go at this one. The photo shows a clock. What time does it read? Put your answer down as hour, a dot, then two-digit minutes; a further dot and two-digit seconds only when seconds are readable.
11.15
